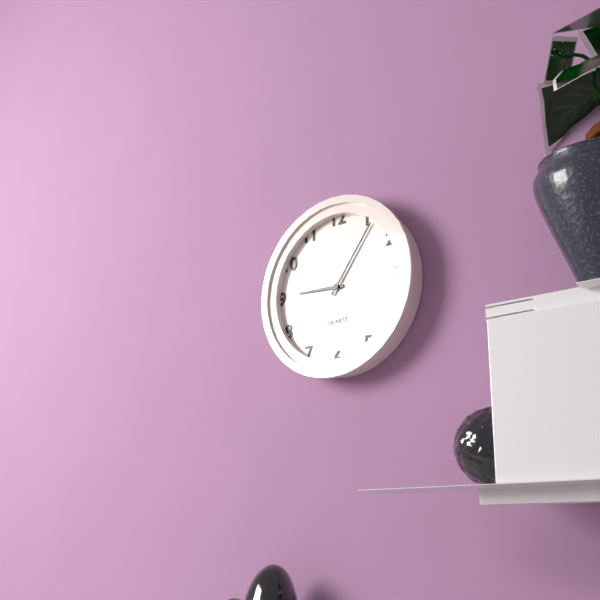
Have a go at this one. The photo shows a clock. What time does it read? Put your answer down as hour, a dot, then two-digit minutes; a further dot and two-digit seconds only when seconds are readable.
9.06
